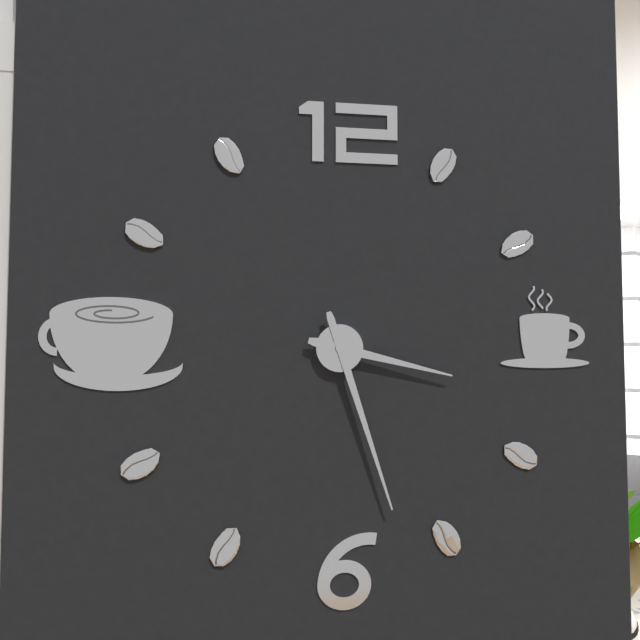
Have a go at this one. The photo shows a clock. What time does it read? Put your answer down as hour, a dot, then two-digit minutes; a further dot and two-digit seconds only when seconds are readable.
3.27
